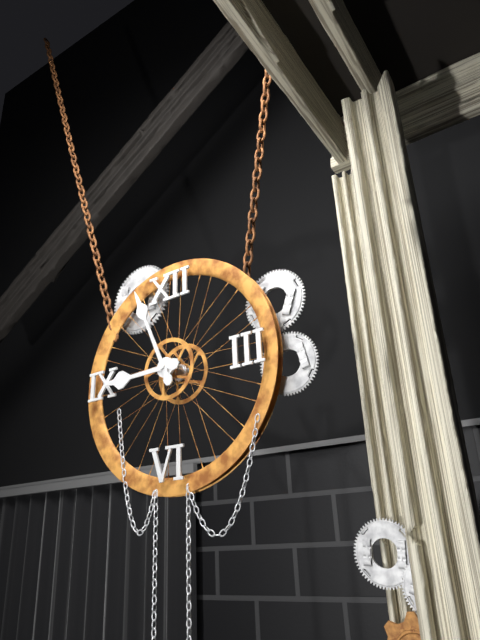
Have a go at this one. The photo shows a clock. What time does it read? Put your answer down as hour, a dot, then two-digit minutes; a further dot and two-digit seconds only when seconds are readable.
8.56
